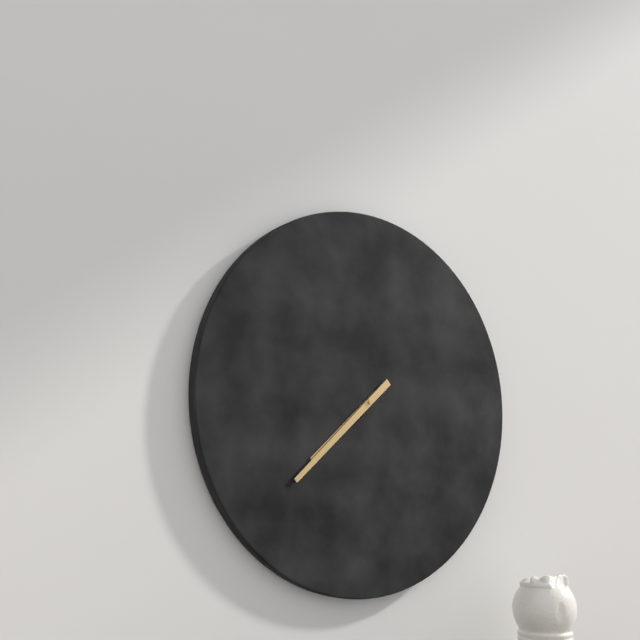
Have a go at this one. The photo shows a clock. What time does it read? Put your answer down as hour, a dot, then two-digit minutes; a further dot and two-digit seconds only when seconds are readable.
7.38
